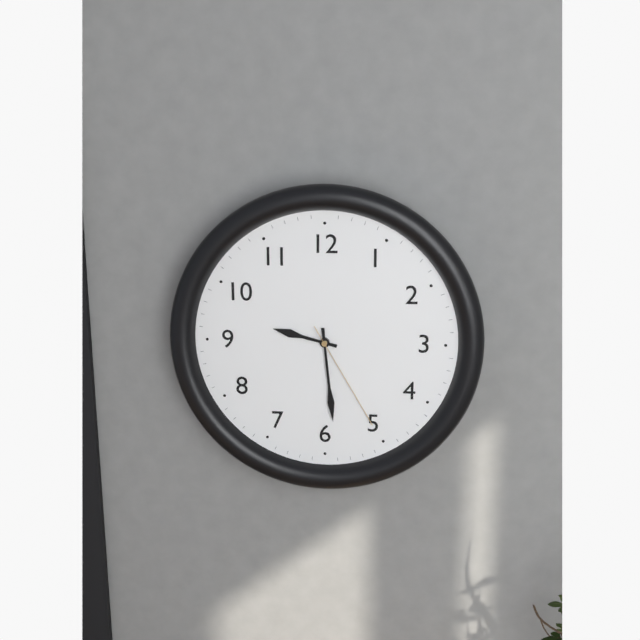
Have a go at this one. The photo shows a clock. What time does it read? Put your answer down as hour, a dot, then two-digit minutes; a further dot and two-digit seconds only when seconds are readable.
9.29.25
